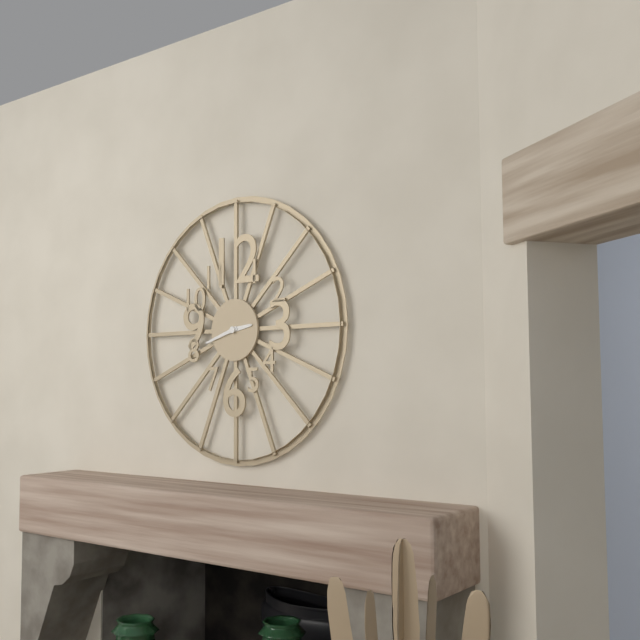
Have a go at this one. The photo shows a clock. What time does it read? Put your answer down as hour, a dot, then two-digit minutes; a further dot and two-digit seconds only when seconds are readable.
2.42
